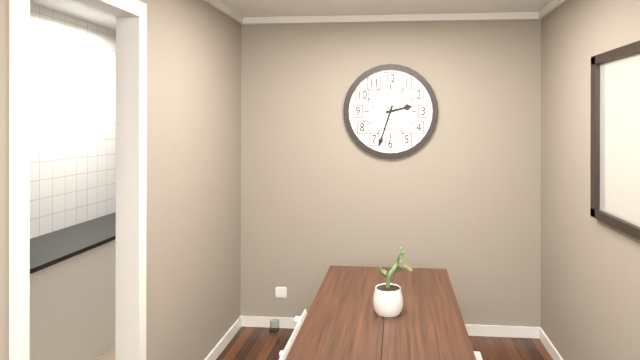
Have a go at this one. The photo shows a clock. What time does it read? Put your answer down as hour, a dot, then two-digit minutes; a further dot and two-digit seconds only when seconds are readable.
2.33
